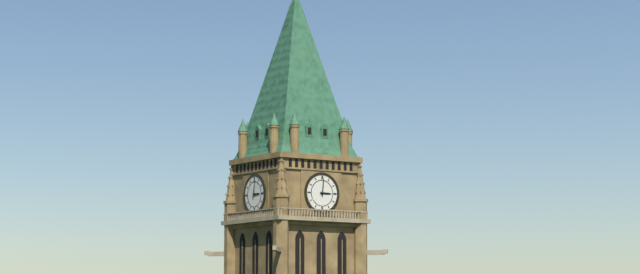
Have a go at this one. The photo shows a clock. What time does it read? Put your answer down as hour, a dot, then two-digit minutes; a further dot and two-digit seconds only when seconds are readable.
3.01
